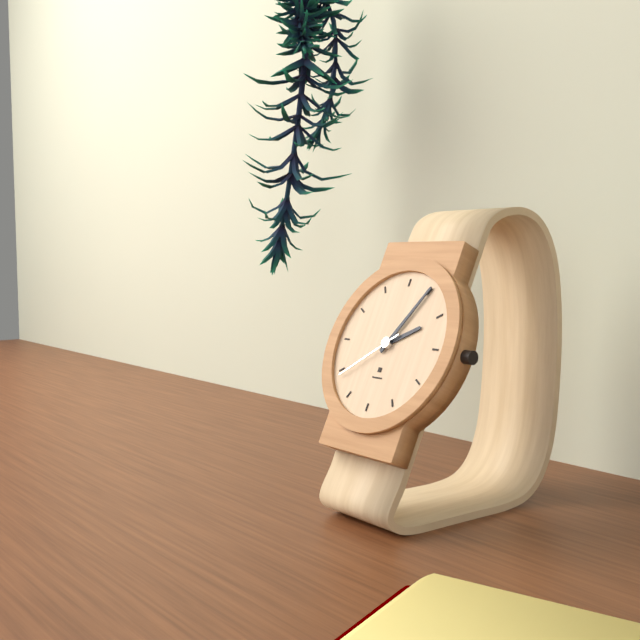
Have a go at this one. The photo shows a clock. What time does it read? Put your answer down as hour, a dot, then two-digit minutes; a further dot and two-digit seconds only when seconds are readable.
2.05.39
